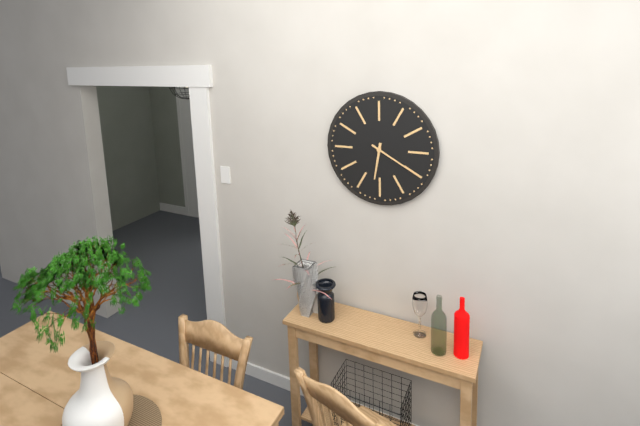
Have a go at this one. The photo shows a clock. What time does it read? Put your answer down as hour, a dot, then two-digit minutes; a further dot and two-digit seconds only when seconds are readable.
6.20
